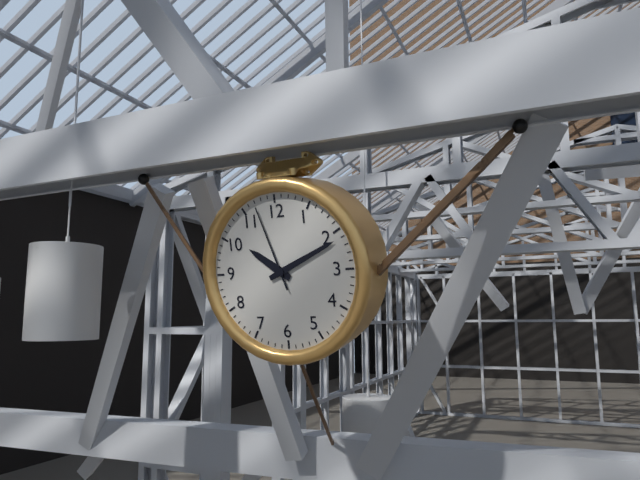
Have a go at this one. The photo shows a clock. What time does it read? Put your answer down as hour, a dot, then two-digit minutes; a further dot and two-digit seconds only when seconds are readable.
10.11.57
